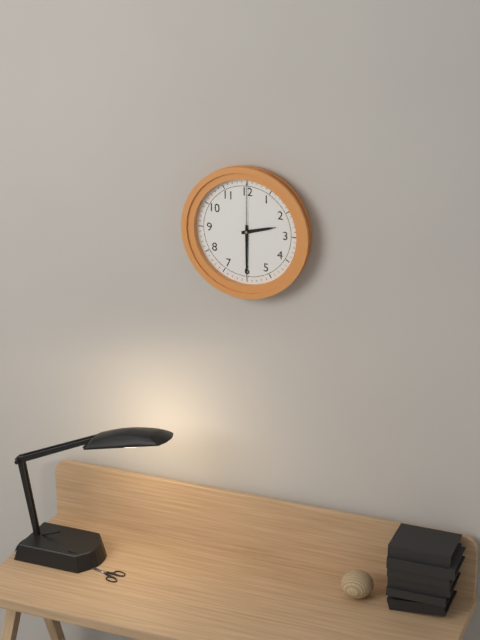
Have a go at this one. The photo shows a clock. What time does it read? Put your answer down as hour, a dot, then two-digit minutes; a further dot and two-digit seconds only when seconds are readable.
2.30.00
